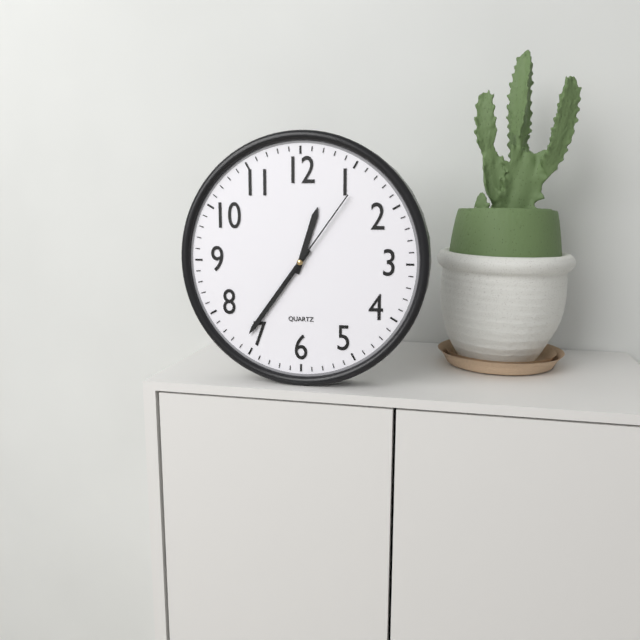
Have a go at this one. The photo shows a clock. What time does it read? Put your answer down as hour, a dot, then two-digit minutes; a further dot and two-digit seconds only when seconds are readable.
12.36.06
